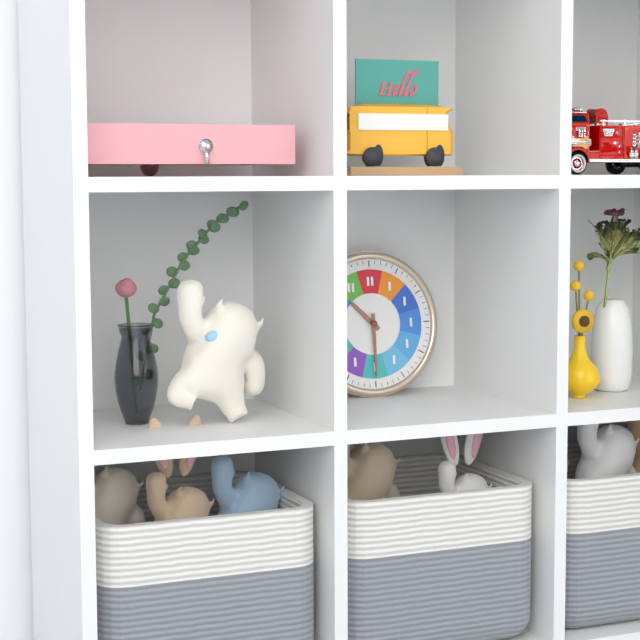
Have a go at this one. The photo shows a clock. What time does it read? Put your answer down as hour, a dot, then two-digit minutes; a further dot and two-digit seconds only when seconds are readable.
10.30
